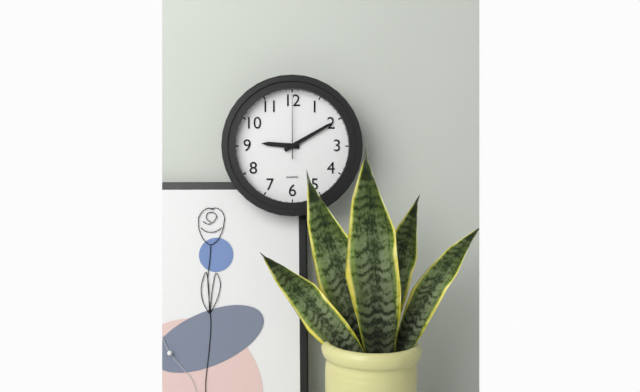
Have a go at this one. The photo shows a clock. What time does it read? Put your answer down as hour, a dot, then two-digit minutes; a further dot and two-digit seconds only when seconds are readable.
9.10.00
